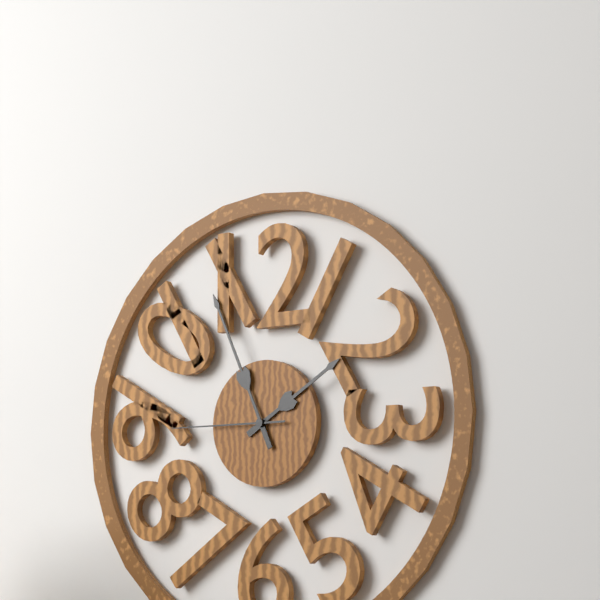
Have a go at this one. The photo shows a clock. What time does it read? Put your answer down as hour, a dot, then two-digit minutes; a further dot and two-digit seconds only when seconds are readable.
1.56.45
